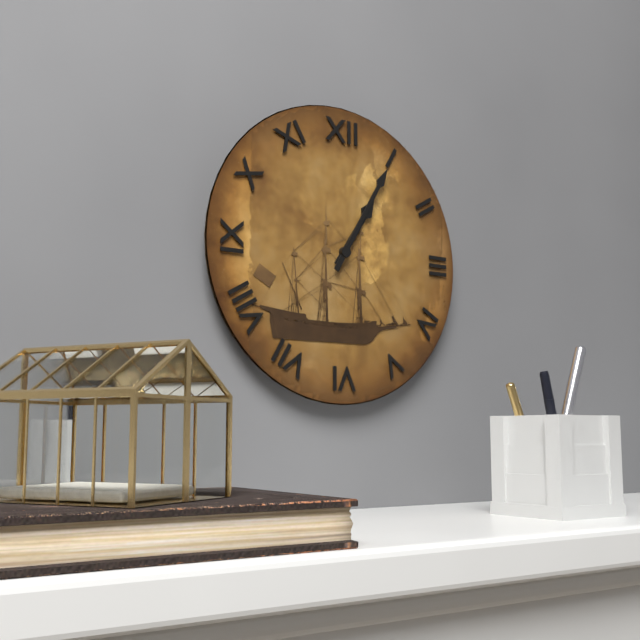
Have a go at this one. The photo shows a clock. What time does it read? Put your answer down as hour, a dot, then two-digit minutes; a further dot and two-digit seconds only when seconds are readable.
1.05
